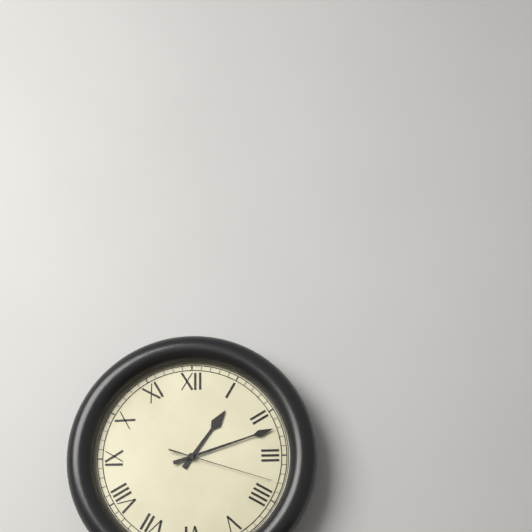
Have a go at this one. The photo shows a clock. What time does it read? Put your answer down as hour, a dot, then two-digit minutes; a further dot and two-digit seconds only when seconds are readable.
1.12.18
